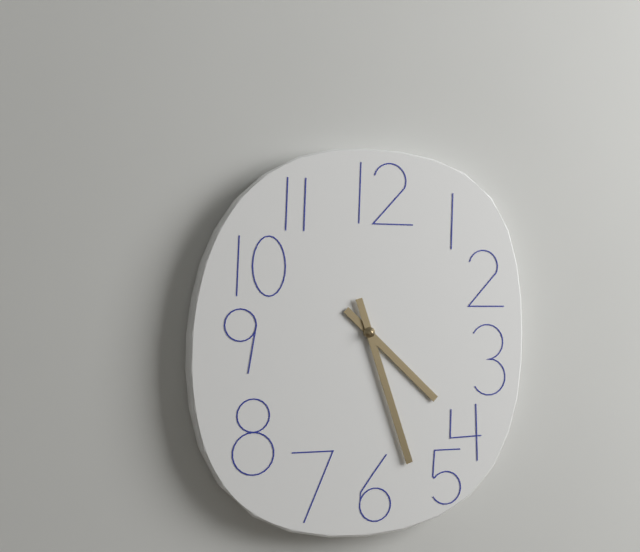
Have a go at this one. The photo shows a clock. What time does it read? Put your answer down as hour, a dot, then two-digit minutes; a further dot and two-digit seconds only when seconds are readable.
4.27
